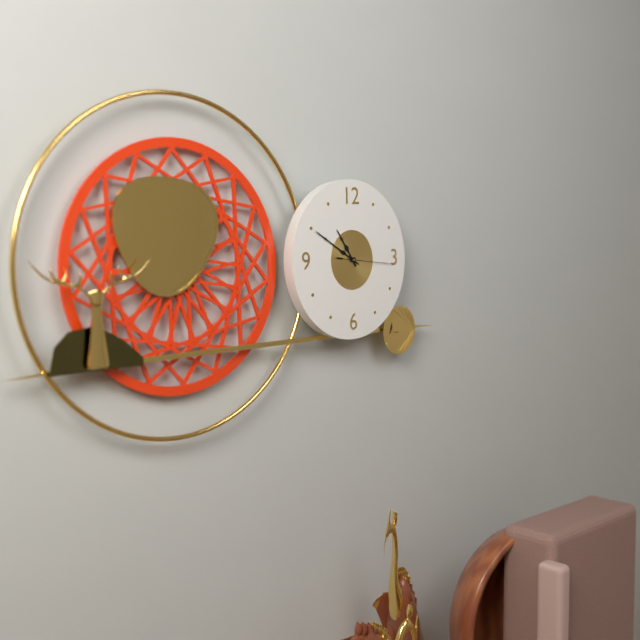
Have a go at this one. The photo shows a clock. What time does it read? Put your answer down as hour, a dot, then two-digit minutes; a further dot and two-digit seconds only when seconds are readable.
10.50.16
